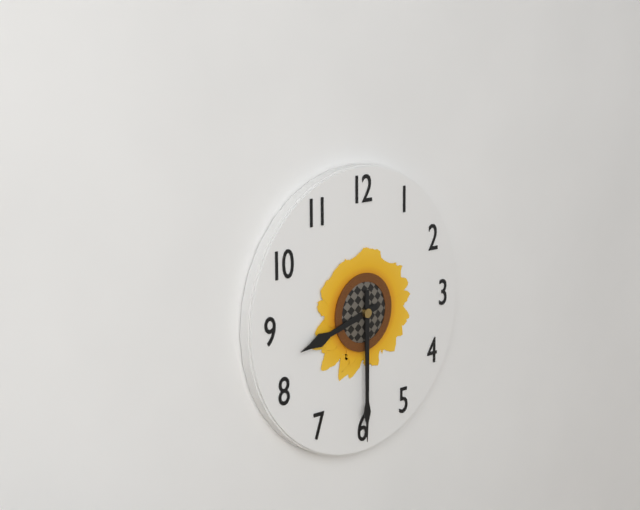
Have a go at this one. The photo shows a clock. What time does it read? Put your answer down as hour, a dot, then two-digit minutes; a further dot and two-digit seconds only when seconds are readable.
8.30
